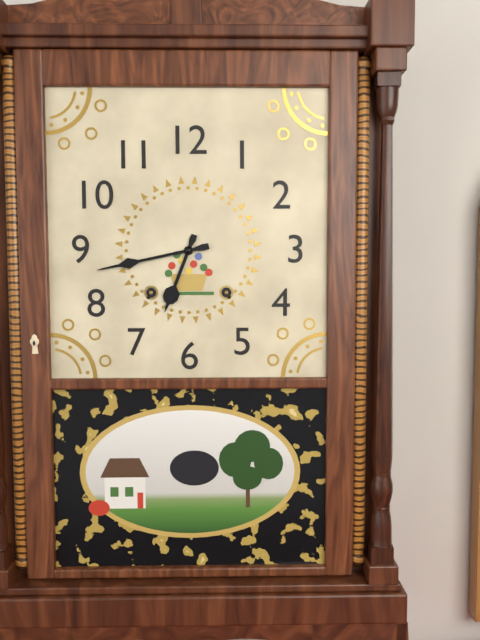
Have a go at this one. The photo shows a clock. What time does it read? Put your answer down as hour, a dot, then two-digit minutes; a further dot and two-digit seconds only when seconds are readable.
6.43
